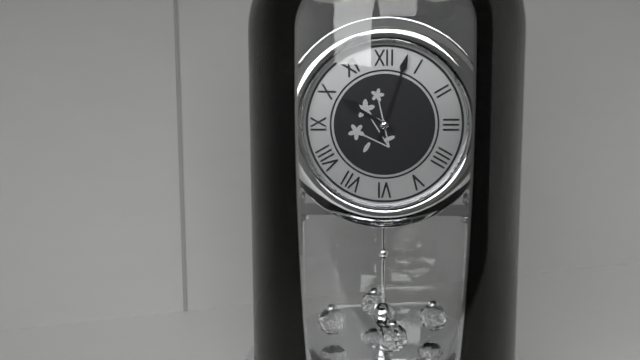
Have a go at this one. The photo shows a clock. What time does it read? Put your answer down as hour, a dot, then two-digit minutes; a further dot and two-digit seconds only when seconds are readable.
10.03
